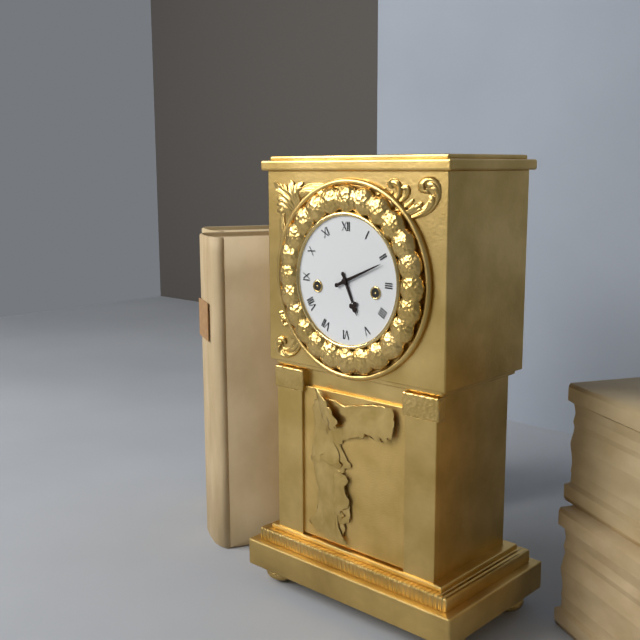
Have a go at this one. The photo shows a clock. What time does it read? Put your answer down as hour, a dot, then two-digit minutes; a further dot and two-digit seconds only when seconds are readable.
5.11
